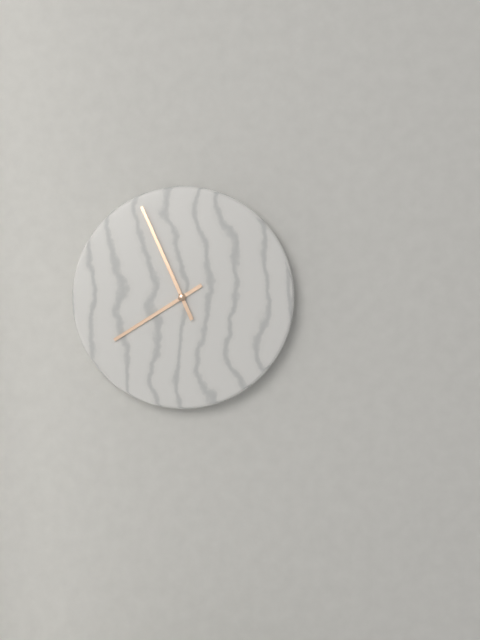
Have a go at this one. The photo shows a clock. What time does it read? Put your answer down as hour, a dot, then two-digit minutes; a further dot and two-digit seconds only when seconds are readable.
7.56
